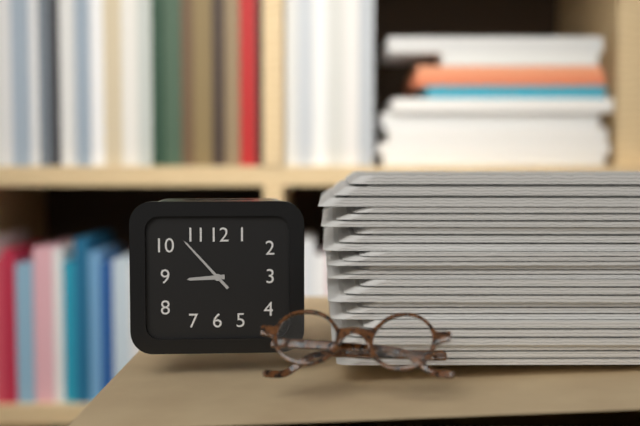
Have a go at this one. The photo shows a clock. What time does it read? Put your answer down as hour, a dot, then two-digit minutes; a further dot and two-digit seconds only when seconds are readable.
8.53
